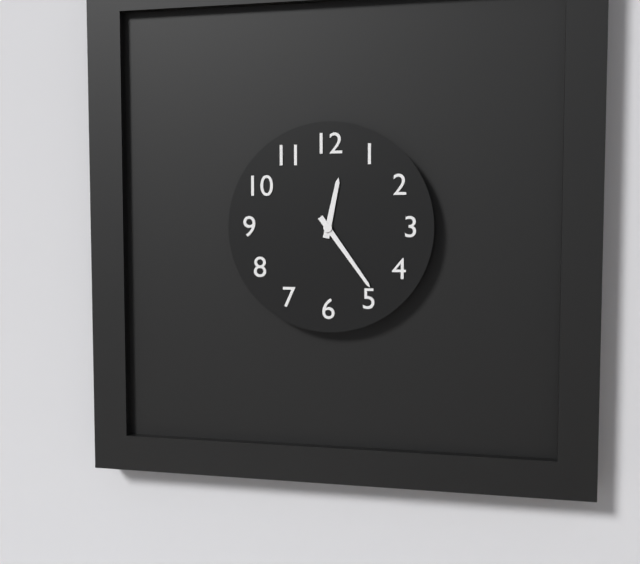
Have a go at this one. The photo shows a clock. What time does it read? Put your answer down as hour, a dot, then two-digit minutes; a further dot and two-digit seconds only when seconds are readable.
12.24
